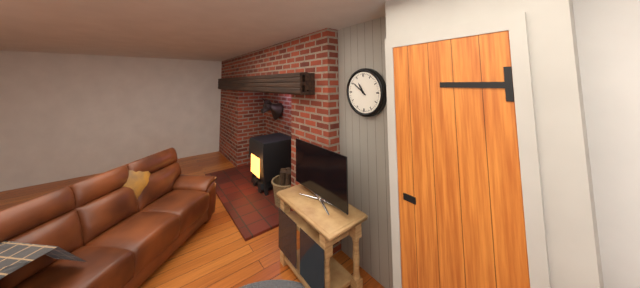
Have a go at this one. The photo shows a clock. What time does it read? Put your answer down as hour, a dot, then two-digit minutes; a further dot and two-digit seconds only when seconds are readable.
10.51
